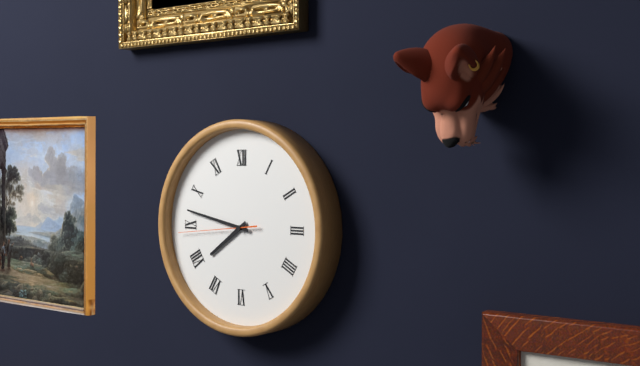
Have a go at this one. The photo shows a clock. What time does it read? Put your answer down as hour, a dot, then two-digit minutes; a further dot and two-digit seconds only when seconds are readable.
7.47.44
